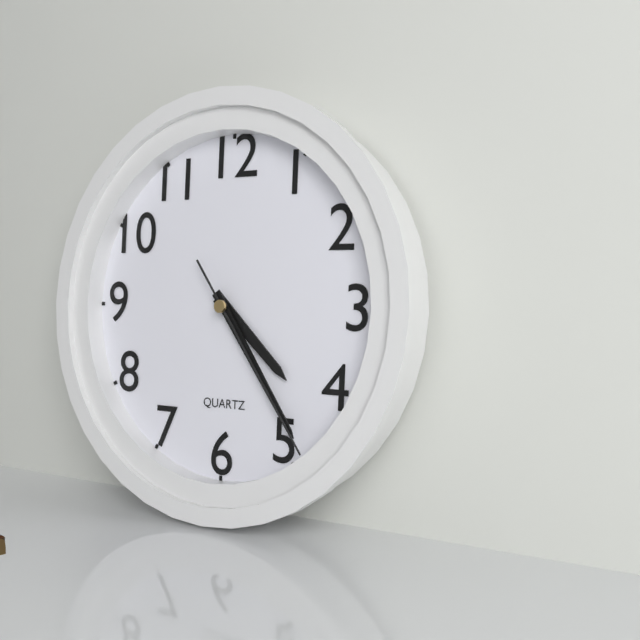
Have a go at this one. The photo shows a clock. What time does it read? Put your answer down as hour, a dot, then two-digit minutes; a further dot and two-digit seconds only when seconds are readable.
4.24.24
